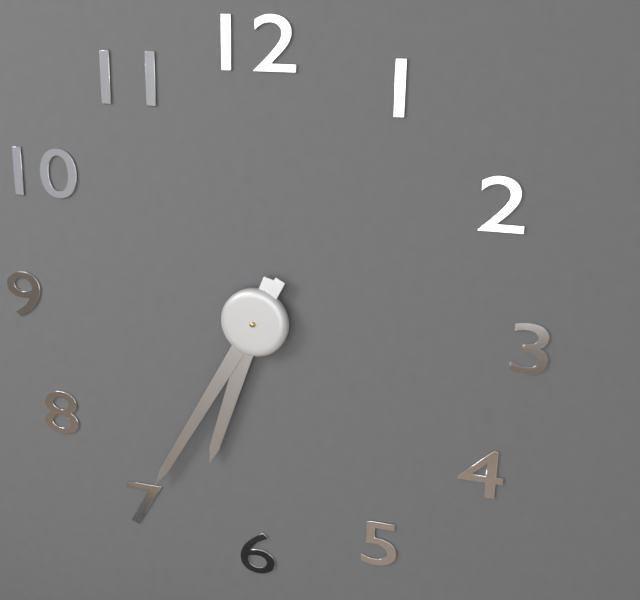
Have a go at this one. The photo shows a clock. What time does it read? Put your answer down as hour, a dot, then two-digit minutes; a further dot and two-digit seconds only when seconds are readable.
6.35
